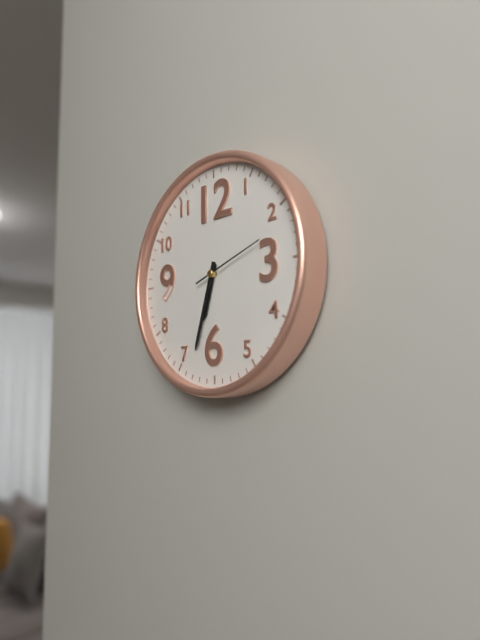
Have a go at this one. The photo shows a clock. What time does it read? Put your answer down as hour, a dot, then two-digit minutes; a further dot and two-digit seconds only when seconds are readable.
6.33.12
